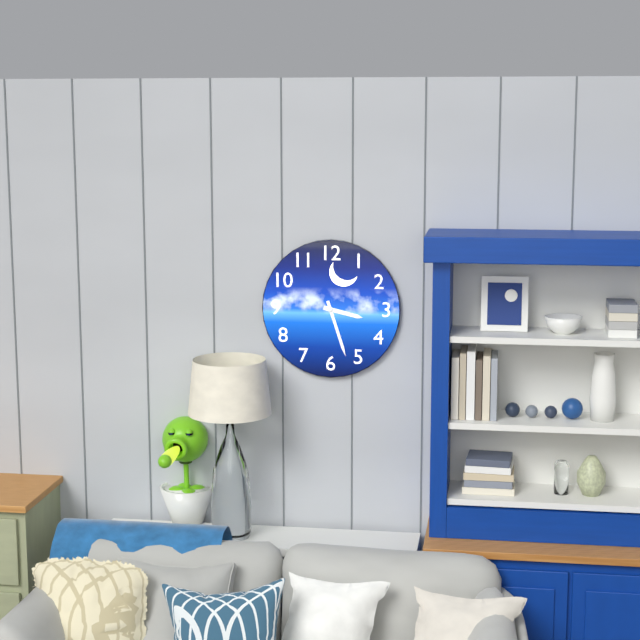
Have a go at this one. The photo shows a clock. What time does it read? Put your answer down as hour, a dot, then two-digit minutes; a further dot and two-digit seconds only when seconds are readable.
3.27
